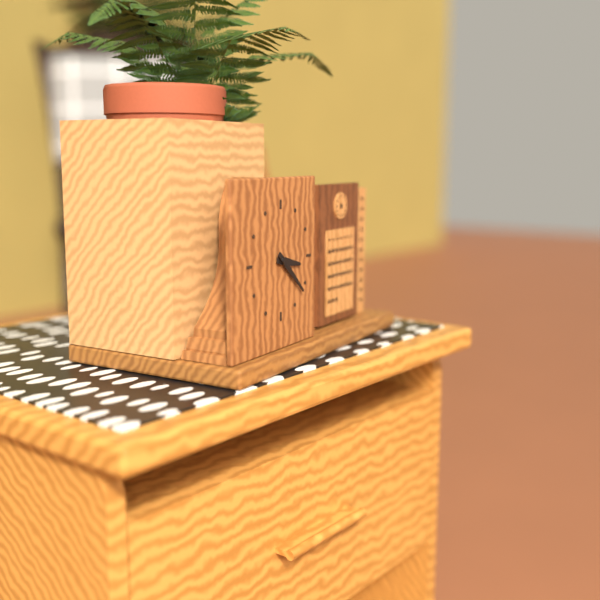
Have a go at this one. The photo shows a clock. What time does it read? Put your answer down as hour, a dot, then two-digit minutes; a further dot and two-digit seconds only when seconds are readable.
3.22
